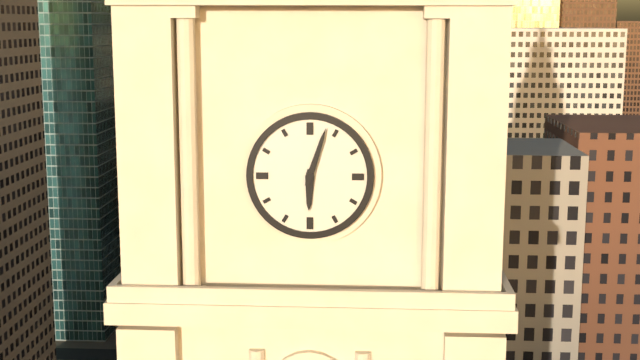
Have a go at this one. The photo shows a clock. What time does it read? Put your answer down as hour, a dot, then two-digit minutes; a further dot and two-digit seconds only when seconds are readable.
6.03
